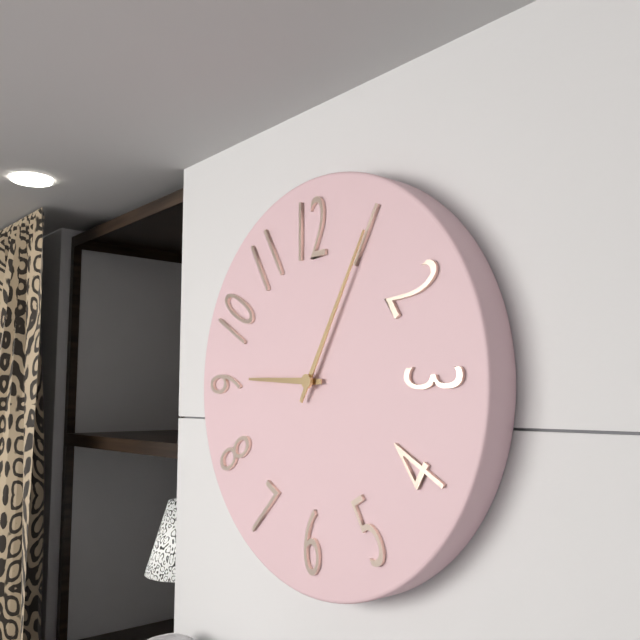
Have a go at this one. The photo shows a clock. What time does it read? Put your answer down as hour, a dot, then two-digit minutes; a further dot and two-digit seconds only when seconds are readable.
9.05
